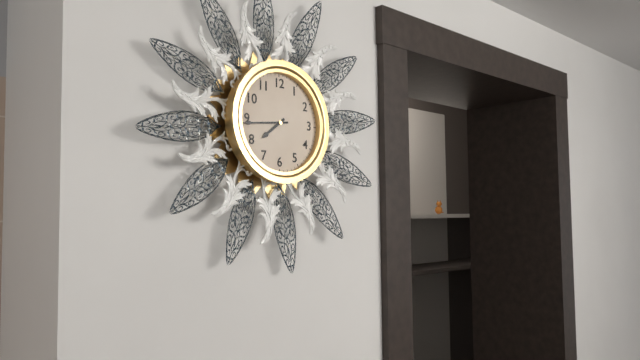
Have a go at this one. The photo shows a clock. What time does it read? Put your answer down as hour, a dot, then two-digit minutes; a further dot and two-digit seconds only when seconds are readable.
7.44
